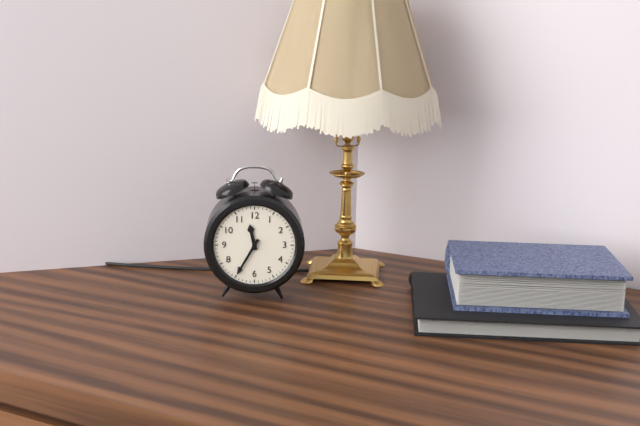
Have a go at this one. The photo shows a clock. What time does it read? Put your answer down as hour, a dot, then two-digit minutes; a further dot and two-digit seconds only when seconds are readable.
11.35
